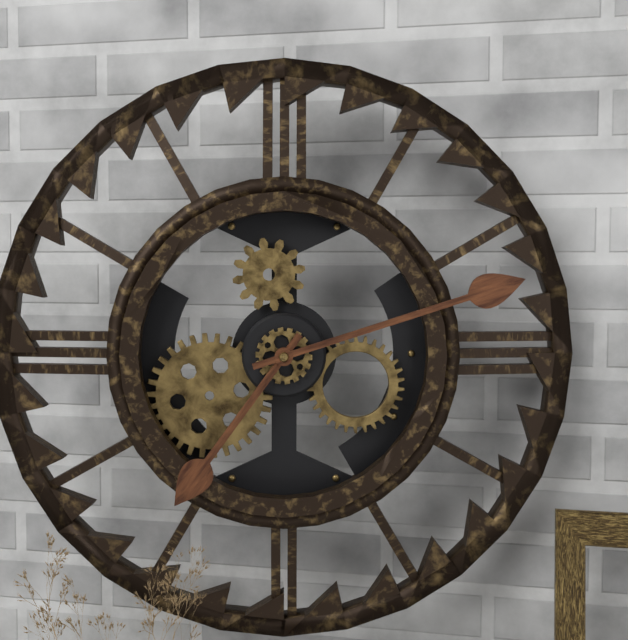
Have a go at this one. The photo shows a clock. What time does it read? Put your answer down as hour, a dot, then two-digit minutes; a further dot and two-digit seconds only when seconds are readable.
7.12
